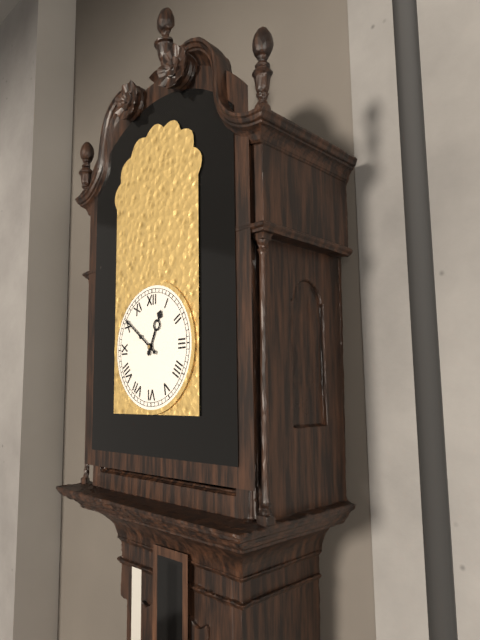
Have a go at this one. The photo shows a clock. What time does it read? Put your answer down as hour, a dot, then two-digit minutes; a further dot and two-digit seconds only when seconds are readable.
12.51
